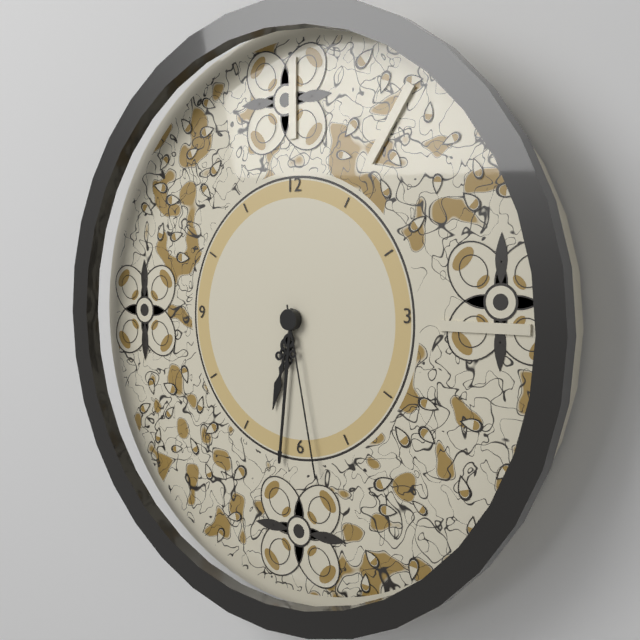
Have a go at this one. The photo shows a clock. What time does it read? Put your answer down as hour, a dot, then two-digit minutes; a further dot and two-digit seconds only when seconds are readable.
6.31.28
